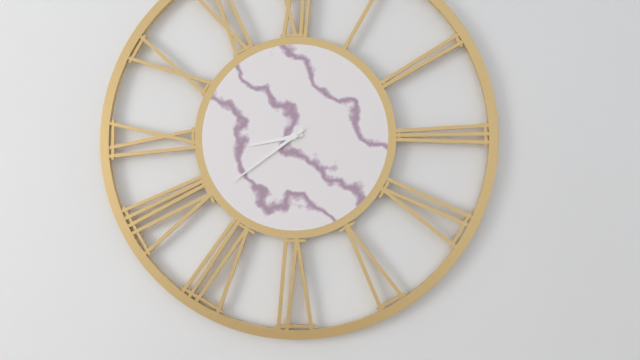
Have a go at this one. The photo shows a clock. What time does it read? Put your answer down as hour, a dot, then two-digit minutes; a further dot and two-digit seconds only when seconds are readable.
8.39
